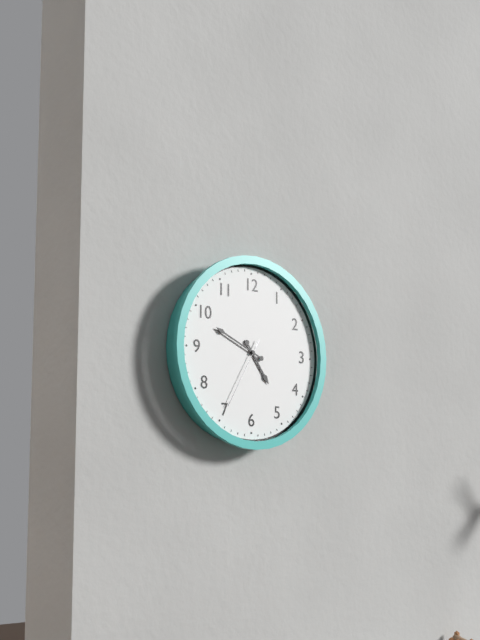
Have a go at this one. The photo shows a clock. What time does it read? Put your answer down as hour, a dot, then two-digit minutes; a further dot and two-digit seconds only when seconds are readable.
4.49.35
